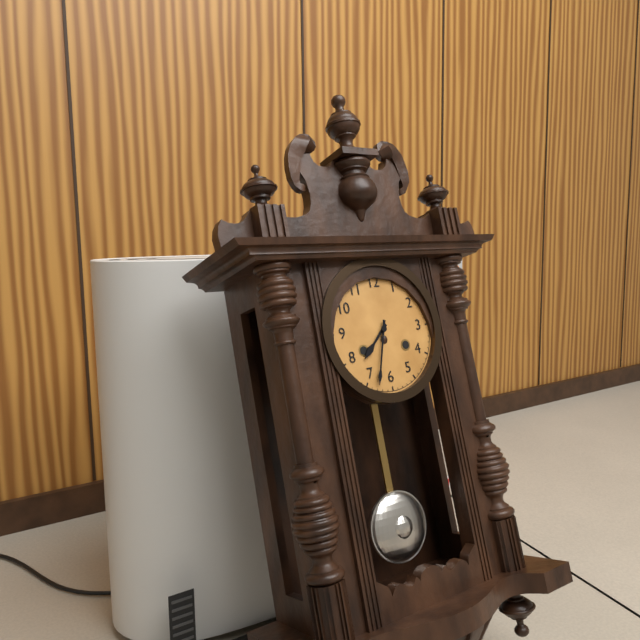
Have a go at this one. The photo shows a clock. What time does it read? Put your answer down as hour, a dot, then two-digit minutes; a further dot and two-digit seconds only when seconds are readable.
7.33
